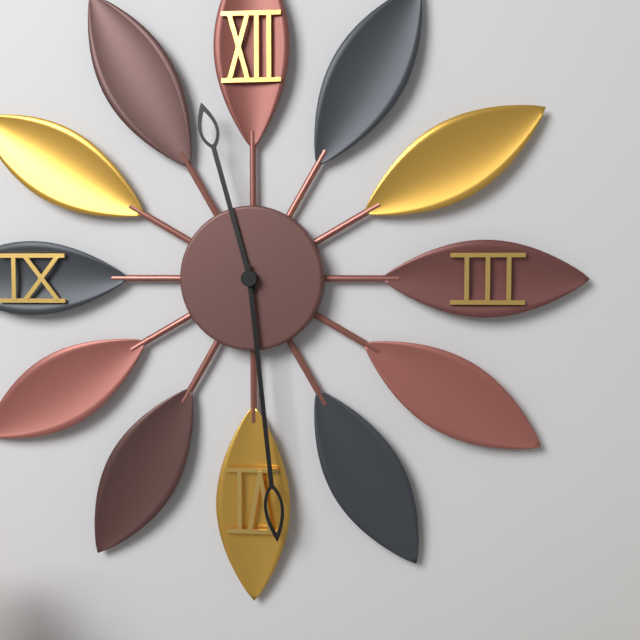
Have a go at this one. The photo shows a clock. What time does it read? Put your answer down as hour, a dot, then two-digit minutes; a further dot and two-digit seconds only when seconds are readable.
11.29
